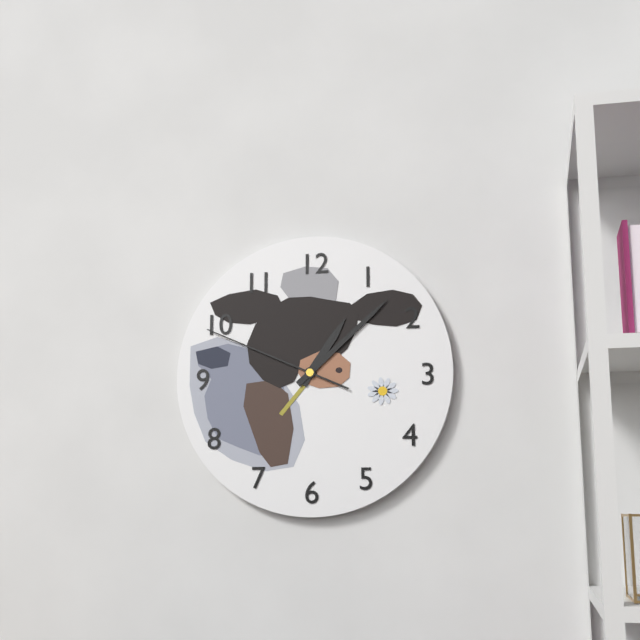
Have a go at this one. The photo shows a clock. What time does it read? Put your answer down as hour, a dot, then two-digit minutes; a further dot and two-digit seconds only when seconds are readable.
1.08.49
